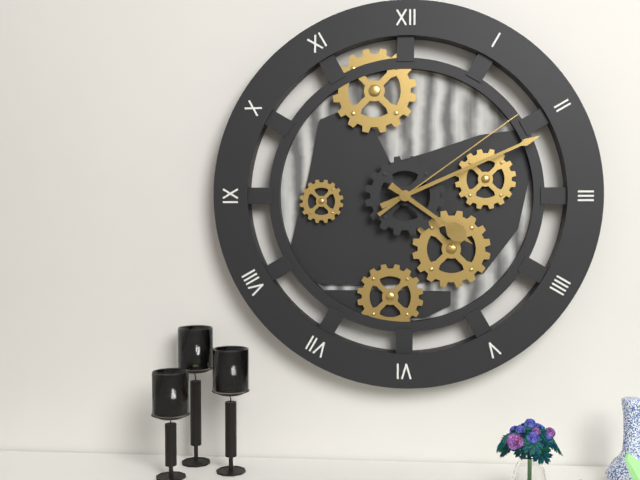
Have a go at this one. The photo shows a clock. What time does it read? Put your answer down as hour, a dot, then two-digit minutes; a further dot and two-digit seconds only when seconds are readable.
4.11.09
